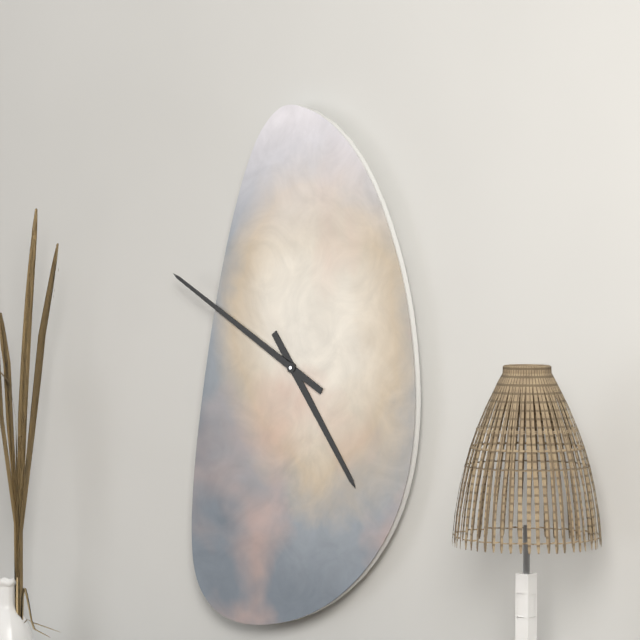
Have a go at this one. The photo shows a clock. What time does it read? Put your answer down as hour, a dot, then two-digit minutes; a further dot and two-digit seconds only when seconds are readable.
4.50
